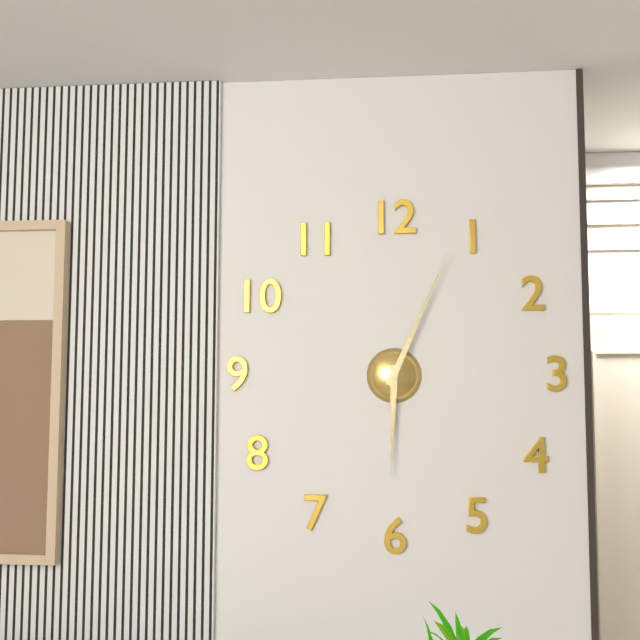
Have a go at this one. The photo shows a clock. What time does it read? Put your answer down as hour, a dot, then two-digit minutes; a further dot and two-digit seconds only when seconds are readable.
6.04
